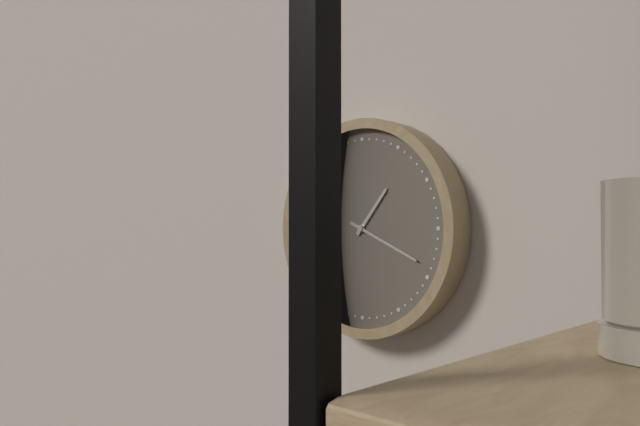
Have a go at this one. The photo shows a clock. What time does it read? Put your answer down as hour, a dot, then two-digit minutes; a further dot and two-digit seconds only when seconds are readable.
1.19
